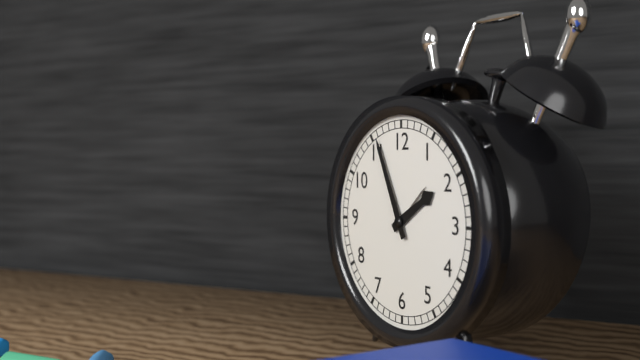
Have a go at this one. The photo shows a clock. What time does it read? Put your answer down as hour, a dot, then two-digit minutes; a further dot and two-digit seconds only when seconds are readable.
1.56
